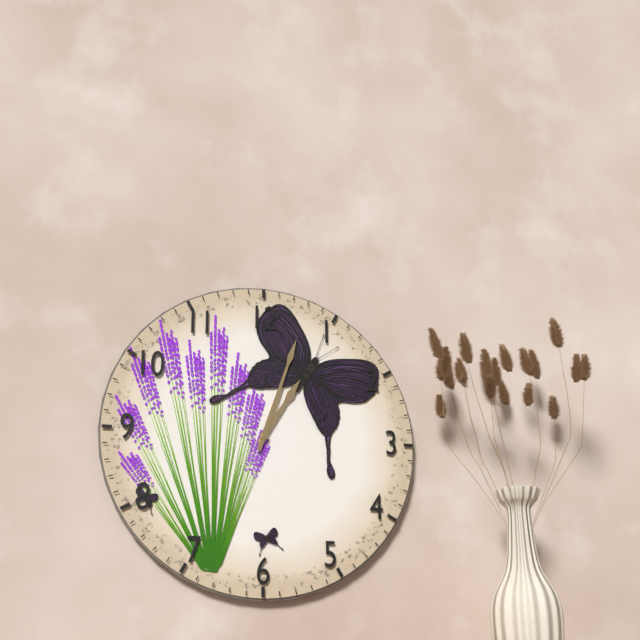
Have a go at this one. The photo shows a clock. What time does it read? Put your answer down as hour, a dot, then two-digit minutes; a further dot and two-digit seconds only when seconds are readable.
1.03
